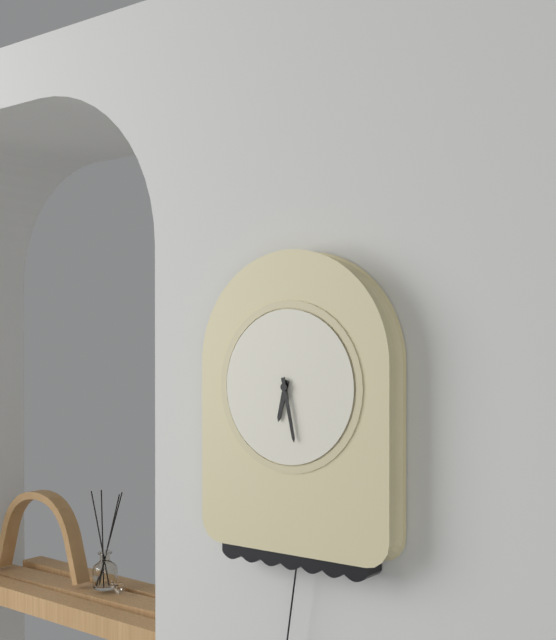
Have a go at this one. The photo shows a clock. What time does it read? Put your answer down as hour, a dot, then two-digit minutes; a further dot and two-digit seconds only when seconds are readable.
6.28
